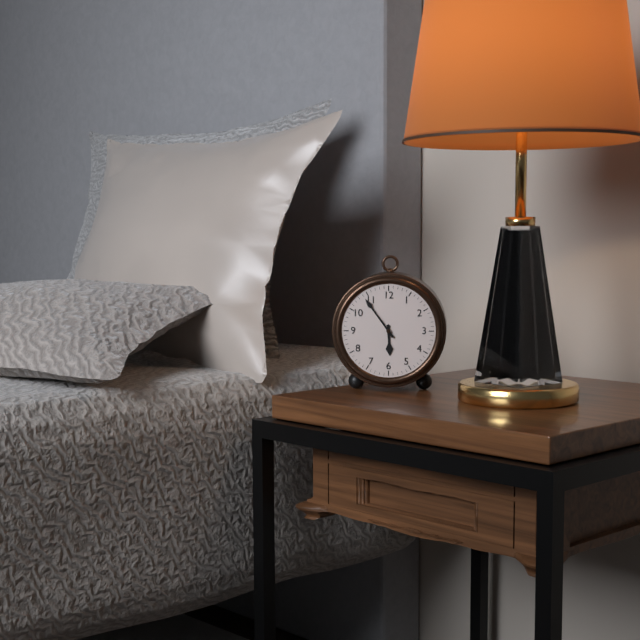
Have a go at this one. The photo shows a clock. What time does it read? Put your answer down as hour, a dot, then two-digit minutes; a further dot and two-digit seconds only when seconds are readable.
5.54
